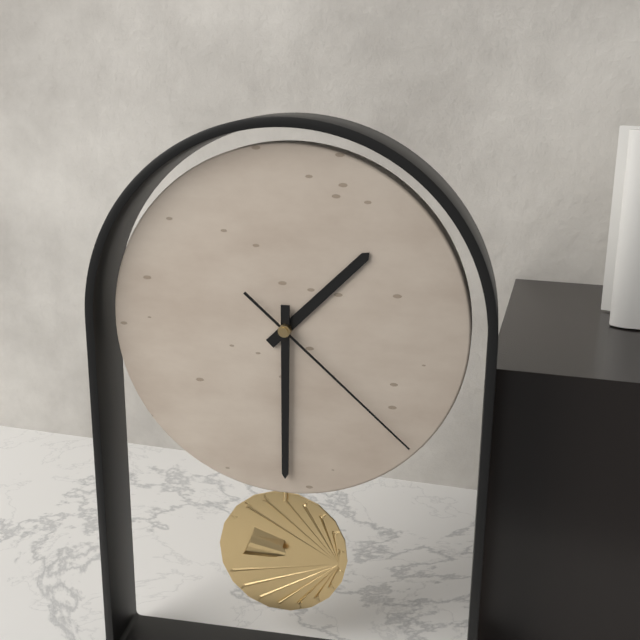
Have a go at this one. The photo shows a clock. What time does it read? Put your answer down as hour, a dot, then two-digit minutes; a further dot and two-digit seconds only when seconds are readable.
1.30.22
